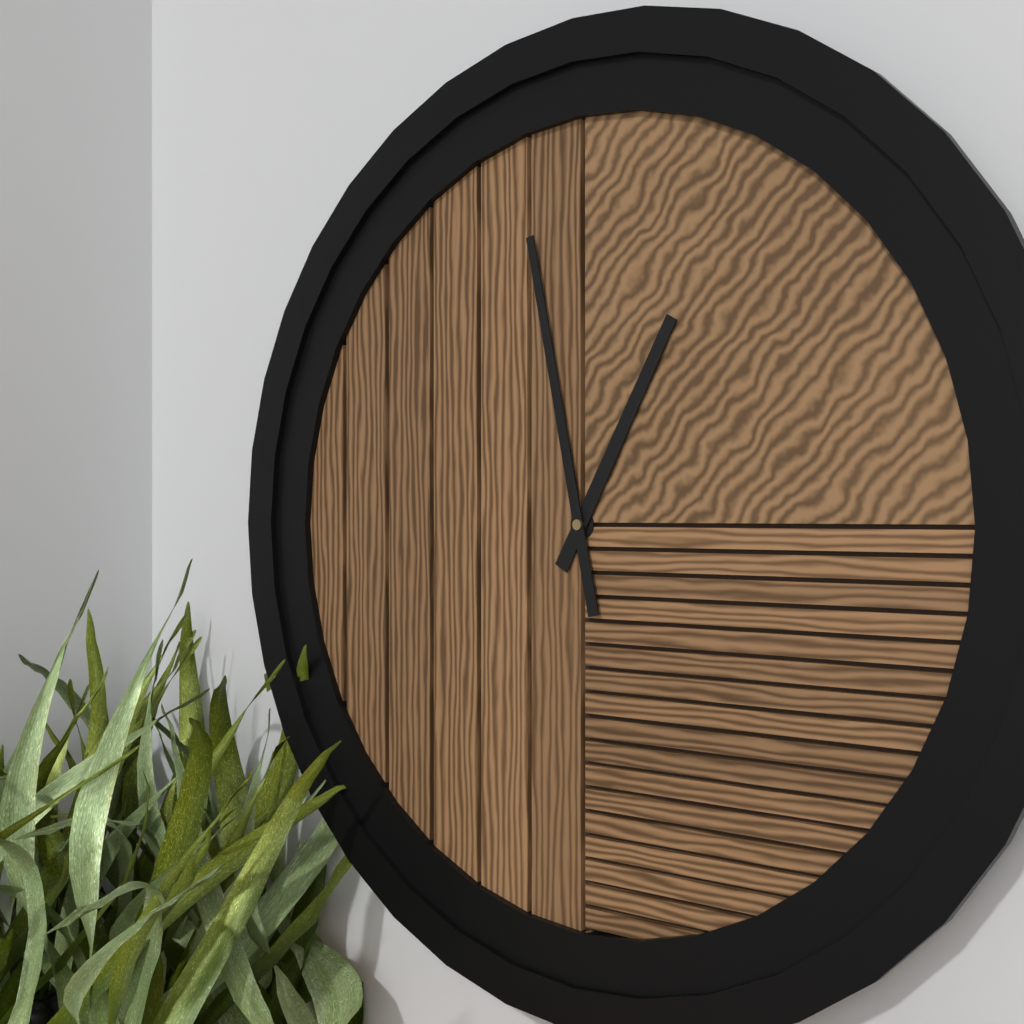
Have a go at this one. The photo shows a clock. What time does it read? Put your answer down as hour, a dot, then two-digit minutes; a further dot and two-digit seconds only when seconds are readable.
12.58
